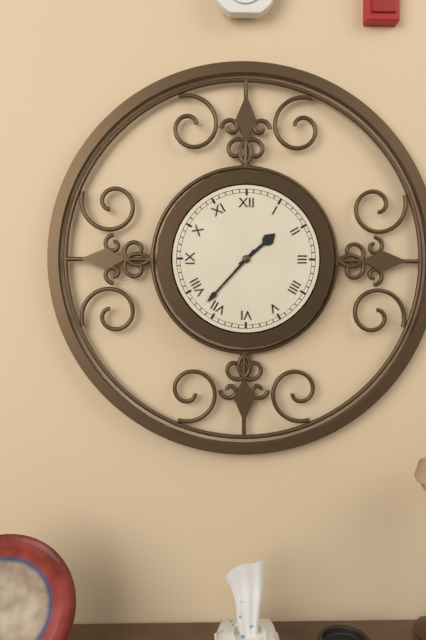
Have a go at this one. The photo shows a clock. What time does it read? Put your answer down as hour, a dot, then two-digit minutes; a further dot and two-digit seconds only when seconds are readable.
1.37
